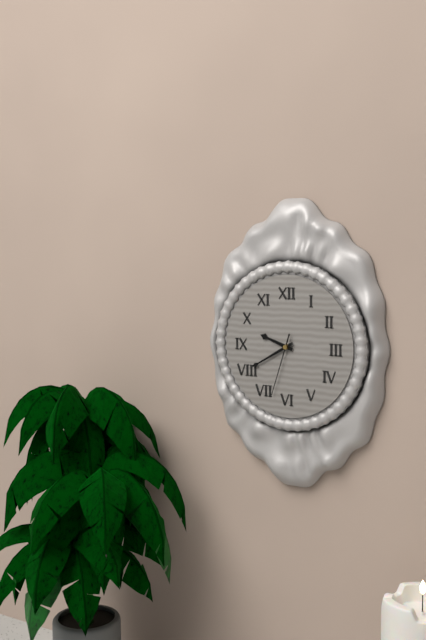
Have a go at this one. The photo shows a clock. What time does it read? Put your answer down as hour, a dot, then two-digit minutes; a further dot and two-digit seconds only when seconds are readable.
9.40.33
